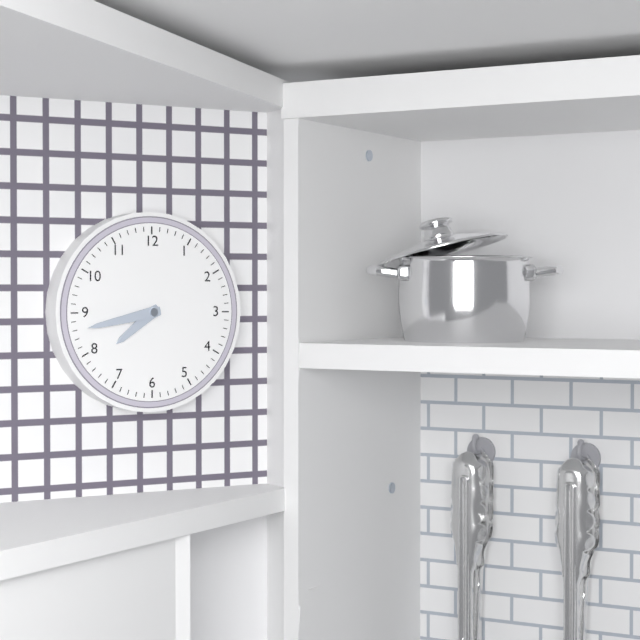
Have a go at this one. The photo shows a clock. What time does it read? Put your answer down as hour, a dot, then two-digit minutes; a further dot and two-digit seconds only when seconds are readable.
7.43
